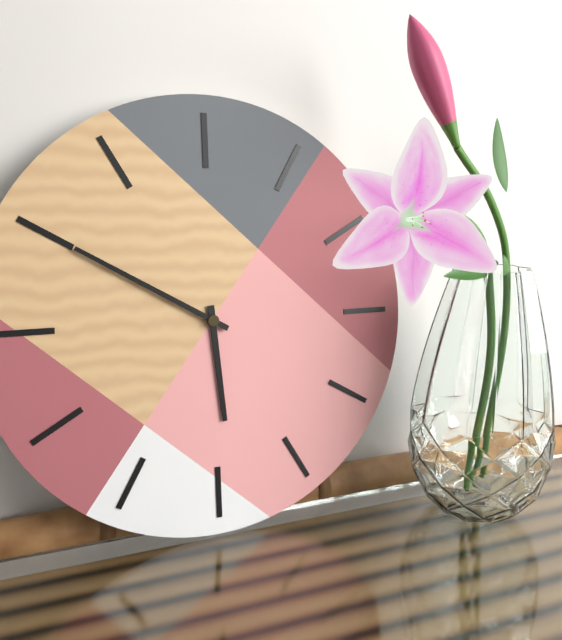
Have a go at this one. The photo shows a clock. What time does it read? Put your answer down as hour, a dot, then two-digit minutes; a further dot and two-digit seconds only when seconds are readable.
5.50
